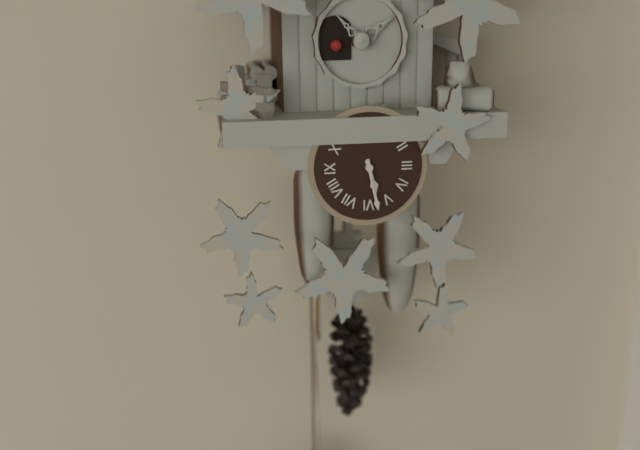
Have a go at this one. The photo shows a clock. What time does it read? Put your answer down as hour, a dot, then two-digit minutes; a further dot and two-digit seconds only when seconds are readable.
5.28
